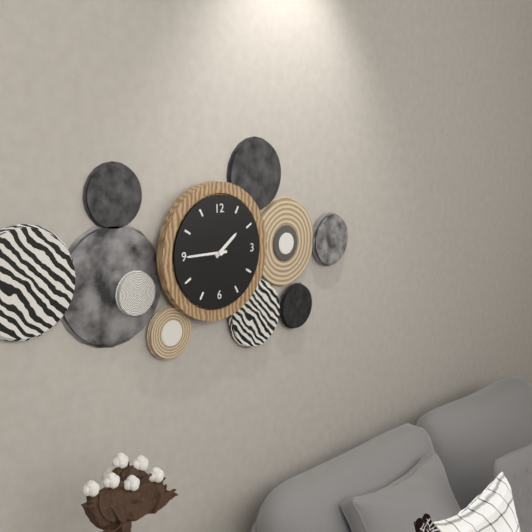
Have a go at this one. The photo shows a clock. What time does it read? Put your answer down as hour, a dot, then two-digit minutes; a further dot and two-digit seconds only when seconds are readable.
1.45
